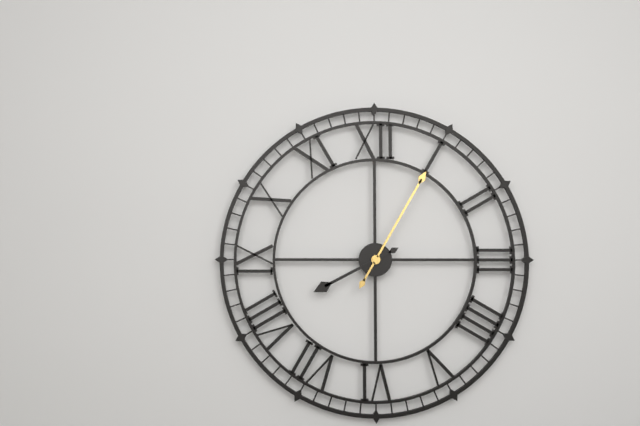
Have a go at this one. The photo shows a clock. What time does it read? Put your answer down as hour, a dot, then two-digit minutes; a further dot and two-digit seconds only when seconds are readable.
8.05
